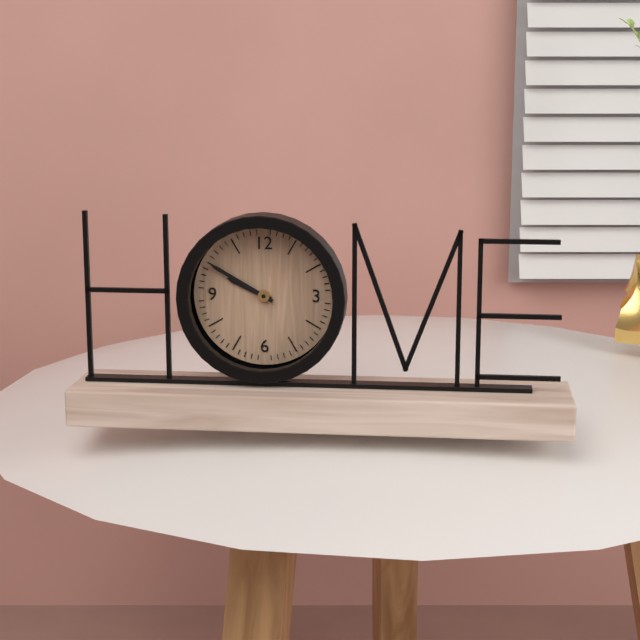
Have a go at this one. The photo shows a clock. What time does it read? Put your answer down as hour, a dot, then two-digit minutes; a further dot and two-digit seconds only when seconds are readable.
9.50
